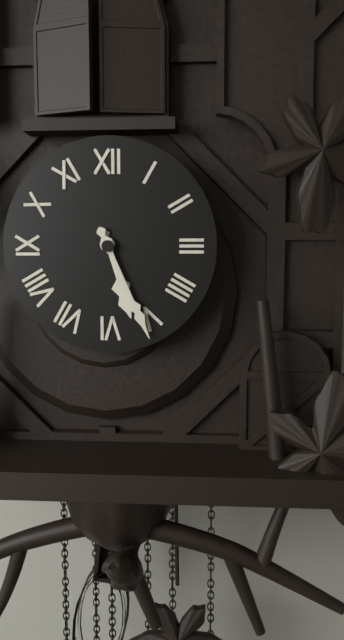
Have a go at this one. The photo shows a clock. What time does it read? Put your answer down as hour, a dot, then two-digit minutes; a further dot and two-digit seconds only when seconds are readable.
5.26
